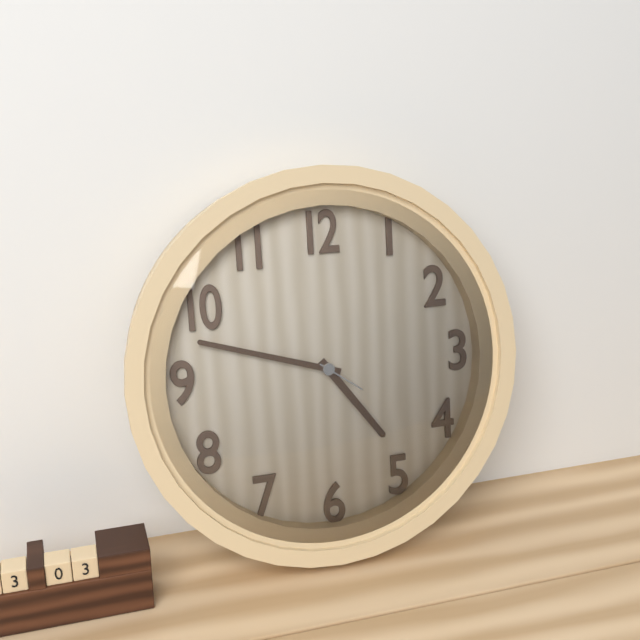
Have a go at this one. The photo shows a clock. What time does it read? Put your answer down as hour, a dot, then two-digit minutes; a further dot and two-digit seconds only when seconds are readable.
4.48
